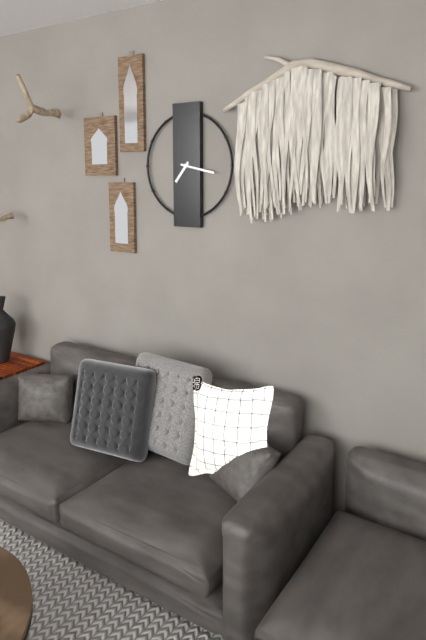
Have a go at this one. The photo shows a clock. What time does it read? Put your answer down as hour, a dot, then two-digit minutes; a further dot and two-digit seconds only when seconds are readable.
7.17
